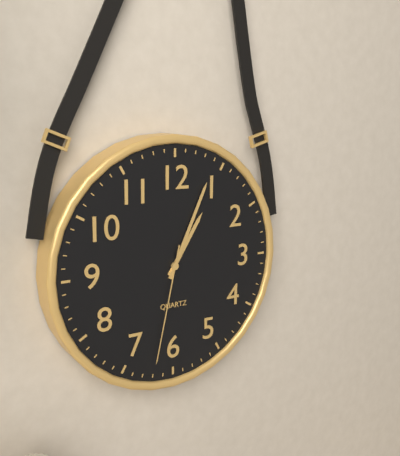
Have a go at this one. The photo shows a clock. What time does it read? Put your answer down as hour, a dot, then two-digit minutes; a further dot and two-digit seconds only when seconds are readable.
1.04.32
